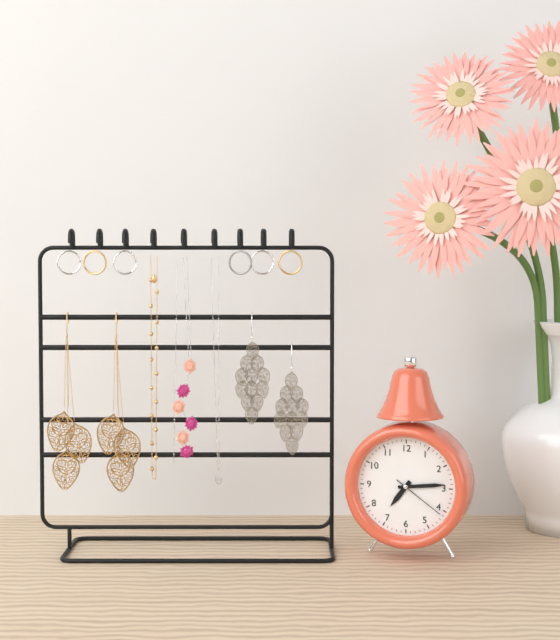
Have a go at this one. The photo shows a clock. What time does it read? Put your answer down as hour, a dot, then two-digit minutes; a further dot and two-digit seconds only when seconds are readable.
7.14.21
